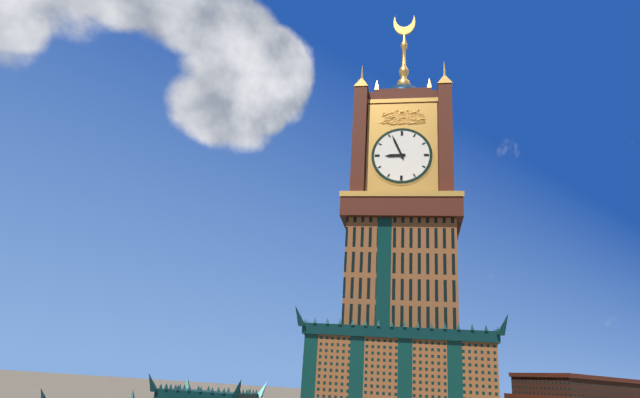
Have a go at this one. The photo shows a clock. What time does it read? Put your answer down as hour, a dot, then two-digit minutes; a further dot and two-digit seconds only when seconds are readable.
8.56
